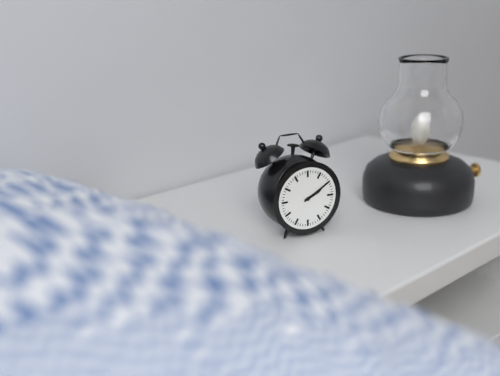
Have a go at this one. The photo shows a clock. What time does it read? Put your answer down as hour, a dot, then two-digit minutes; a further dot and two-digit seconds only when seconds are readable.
2.10
